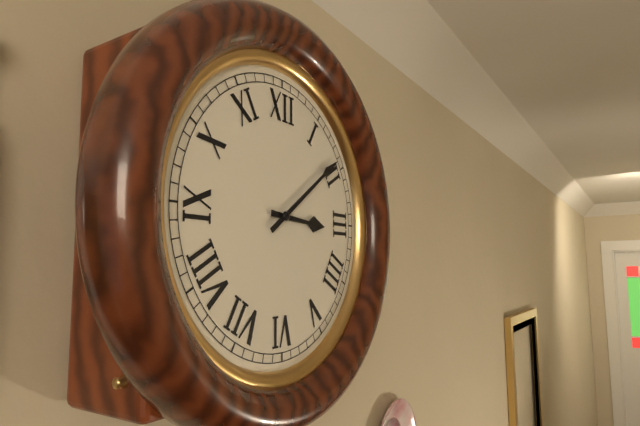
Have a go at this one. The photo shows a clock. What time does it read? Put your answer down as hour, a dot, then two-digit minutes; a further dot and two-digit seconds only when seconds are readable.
3.09
